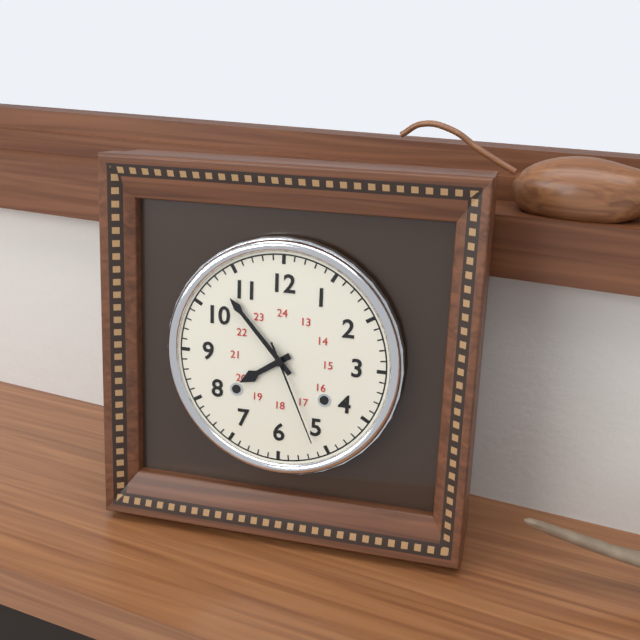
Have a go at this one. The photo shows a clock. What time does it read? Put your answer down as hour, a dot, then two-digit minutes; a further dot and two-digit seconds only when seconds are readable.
7.53.26
